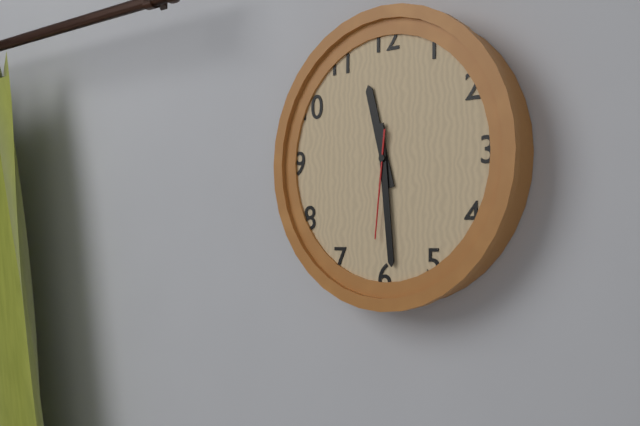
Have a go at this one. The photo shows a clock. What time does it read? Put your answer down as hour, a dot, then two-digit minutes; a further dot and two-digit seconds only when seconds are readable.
11.29.31
